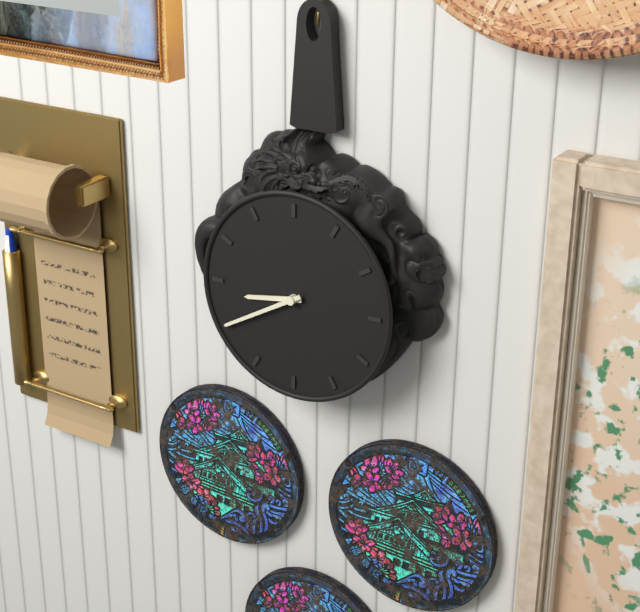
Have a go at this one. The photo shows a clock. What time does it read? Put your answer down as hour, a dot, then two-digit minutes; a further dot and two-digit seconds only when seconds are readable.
8.40
